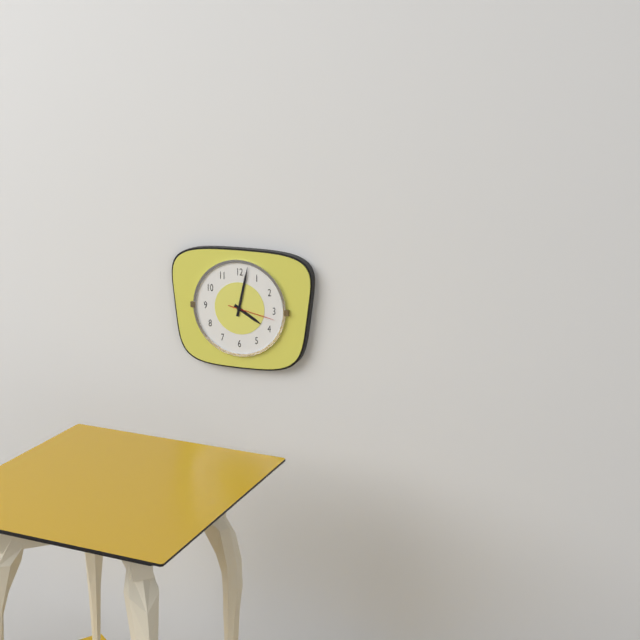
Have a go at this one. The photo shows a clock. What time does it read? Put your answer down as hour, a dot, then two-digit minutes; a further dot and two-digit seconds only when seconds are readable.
4.02
